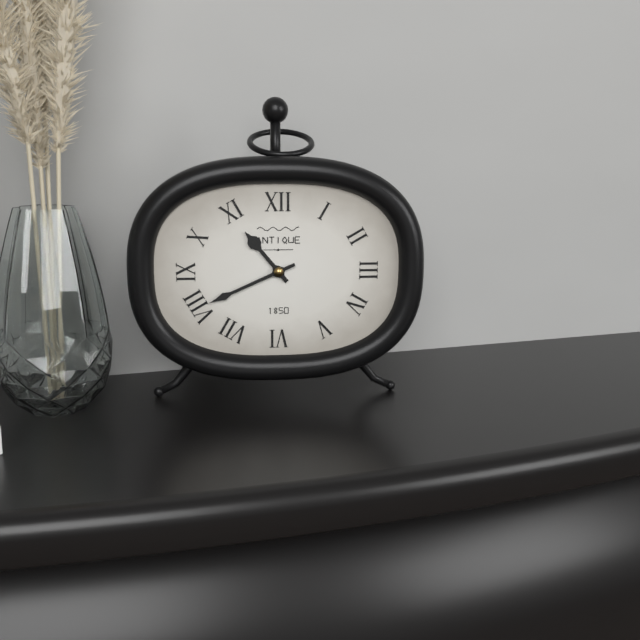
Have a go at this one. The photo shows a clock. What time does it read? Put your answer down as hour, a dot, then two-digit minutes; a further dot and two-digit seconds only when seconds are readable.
10.41
